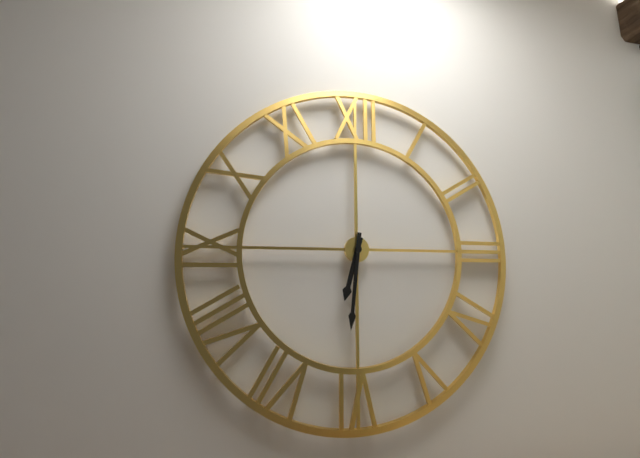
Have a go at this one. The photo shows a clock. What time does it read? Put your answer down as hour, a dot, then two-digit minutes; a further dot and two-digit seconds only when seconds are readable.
6.31
